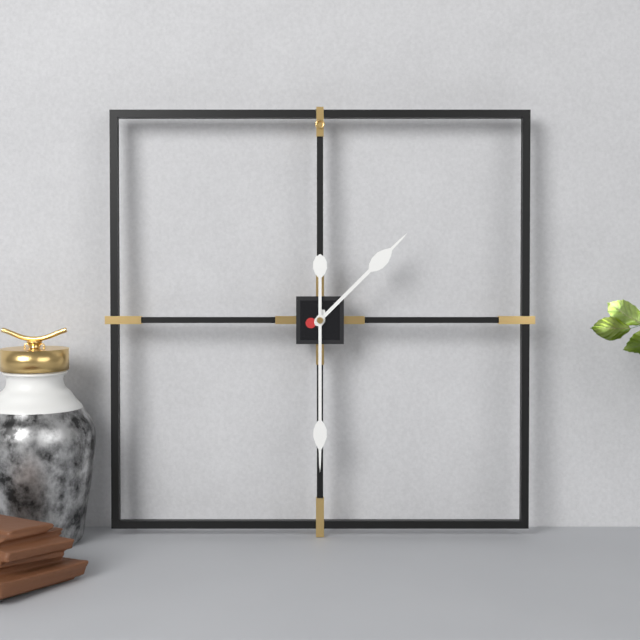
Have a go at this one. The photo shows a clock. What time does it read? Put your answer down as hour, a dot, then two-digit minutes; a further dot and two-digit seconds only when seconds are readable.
1.30
